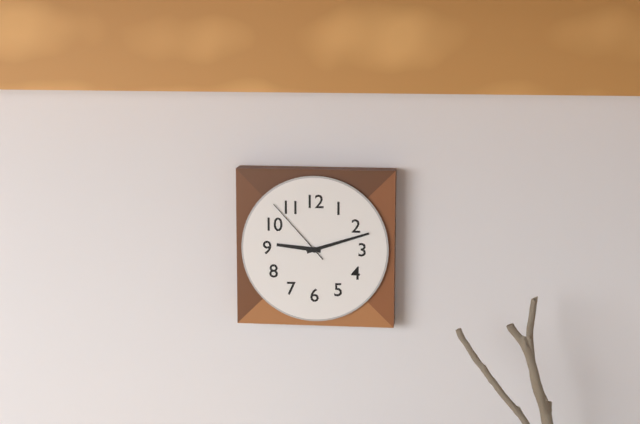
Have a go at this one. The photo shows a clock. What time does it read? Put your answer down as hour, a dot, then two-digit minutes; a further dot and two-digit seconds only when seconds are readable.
9.12.53
